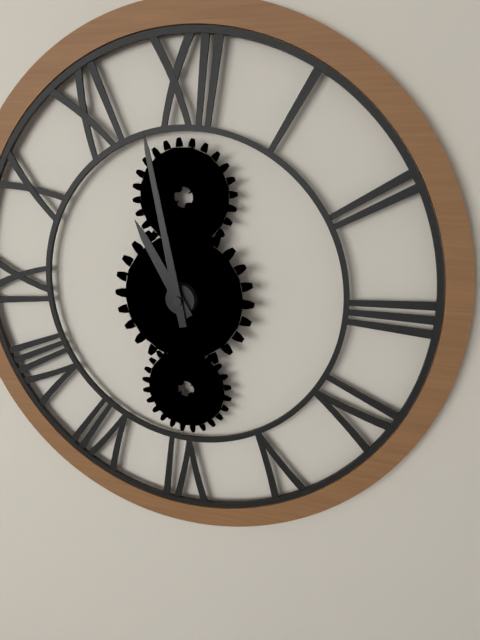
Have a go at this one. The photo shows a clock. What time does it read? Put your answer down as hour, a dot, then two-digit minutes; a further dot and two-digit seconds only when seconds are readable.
10.58
